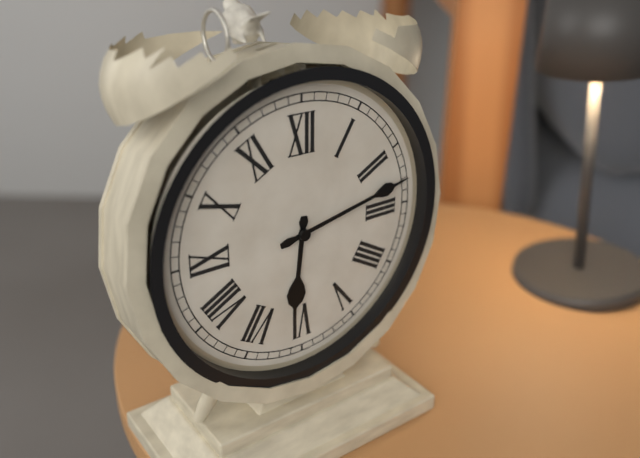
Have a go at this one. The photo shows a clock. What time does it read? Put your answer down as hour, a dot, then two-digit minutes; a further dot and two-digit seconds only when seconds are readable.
6.13
